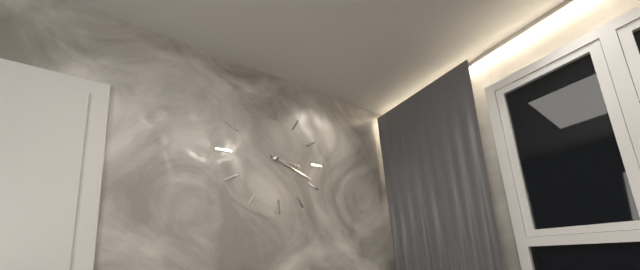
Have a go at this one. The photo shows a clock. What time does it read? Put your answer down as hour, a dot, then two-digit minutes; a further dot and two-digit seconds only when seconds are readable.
3.19
